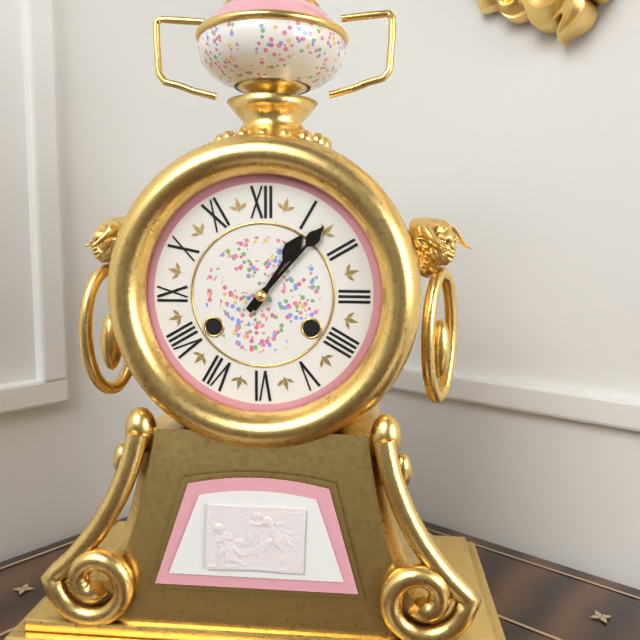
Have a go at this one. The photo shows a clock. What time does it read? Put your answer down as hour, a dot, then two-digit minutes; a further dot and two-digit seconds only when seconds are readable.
1.07
